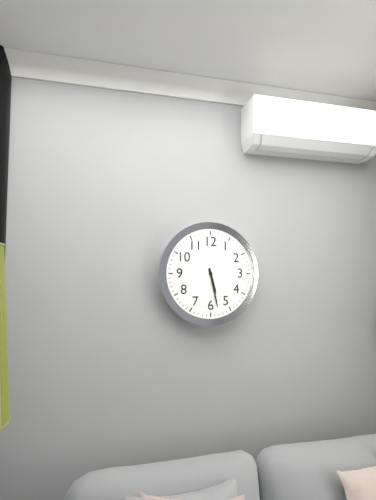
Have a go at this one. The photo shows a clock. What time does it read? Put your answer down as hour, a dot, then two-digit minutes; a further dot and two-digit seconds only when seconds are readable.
5.28
